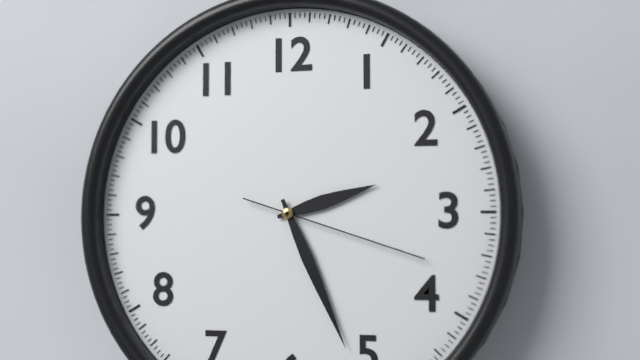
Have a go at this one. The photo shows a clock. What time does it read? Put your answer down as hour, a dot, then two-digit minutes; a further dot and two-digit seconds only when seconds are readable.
2.26.18
